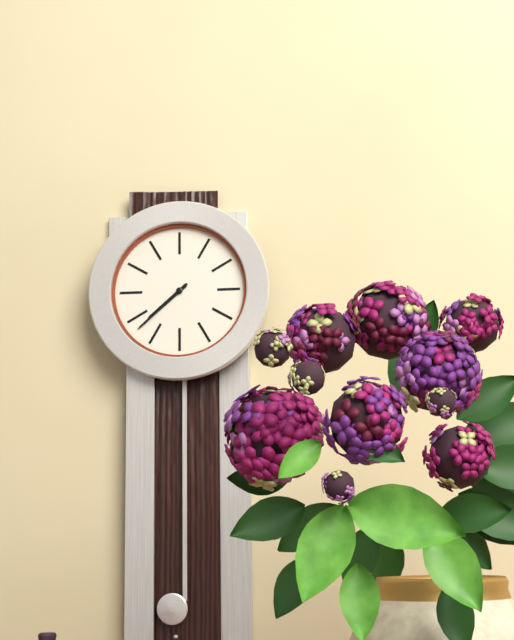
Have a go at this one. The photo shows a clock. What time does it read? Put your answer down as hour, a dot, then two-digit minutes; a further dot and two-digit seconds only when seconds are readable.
7.38
